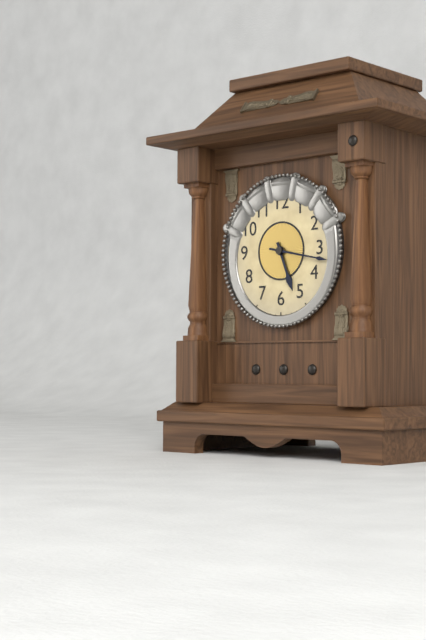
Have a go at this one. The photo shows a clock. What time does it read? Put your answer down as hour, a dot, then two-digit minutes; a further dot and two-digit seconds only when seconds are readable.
5.17
